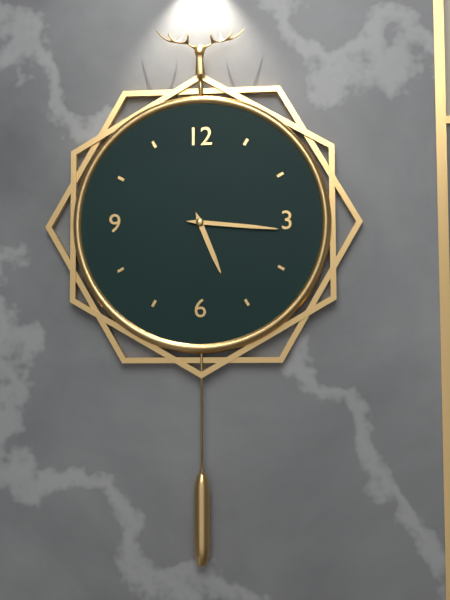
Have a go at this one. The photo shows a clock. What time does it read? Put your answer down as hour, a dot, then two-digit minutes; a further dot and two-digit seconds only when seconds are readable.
5.16
